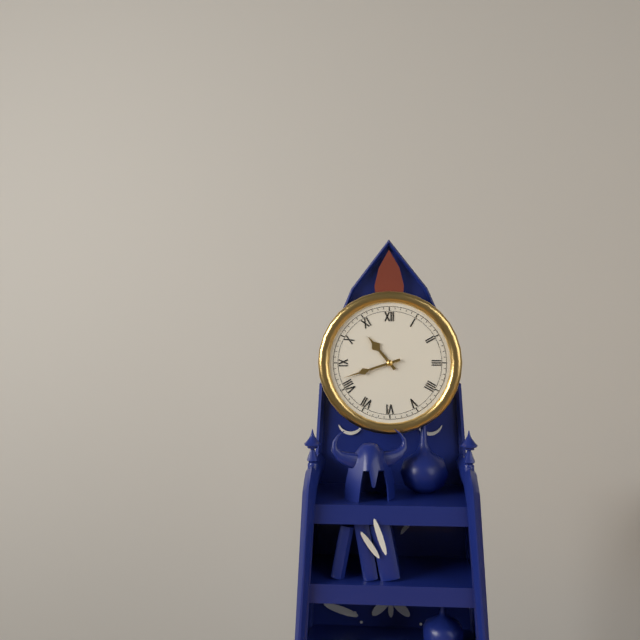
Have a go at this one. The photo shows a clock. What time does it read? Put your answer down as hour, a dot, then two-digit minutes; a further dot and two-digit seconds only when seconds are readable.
10.42
